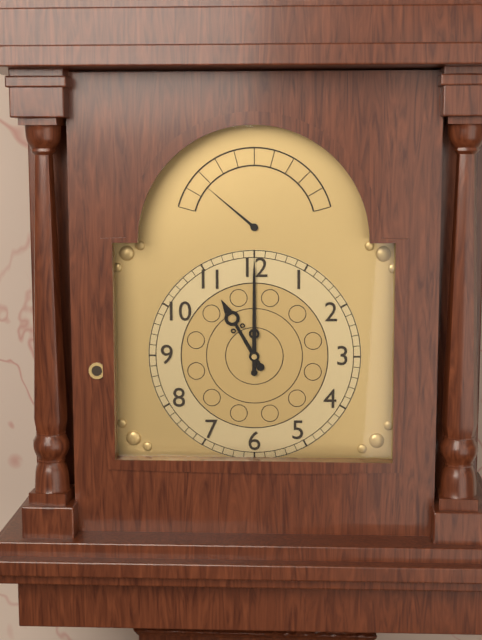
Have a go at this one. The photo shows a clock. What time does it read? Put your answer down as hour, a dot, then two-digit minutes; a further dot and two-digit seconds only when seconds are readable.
11.00
